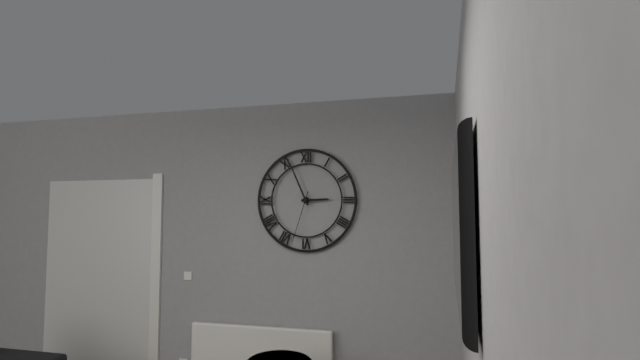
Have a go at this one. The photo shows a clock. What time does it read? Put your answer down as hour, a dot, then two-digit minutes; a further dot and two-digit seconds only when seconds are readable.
2.56.33
